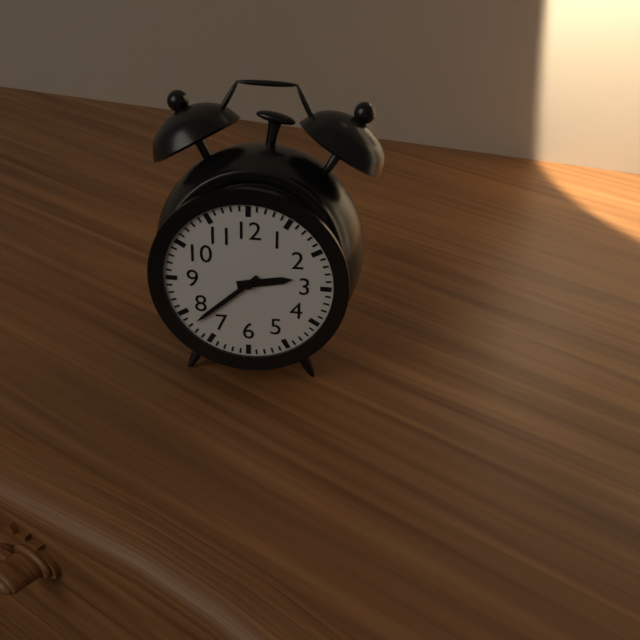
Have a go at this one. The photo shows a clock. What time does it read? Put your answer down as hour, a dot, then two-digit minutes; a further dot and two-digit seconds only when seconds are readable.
2.38
